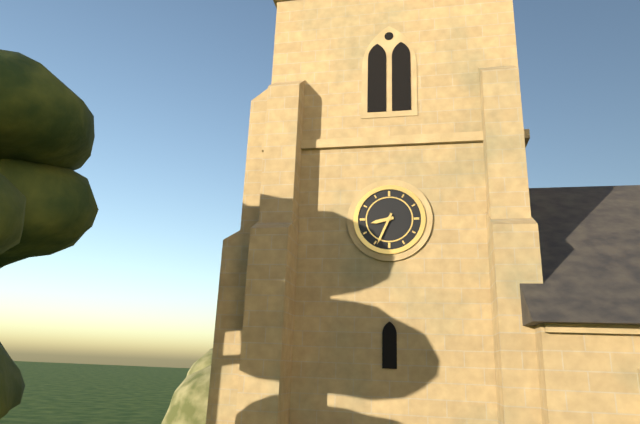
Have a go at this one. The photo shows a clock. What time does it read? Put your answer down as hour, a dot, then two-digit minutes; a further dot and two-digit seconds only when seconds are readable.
8.34
